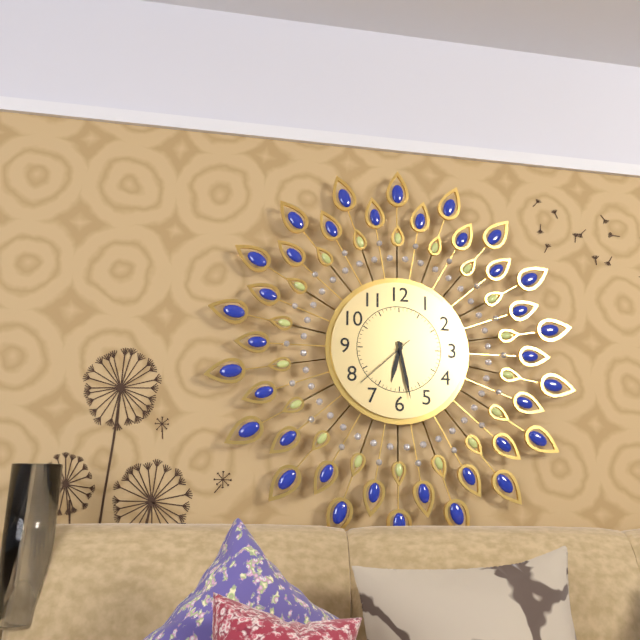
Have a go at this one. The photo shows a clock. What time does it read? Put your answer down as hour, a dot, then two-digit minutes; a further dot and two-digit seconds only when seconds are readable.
6.28.38
